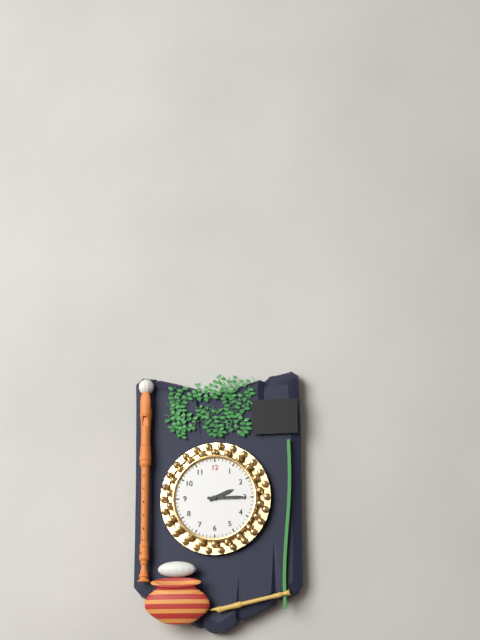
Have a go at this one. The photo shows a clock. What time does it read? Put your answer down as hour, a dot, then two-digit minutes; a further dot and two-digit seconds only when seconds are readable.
2.15
